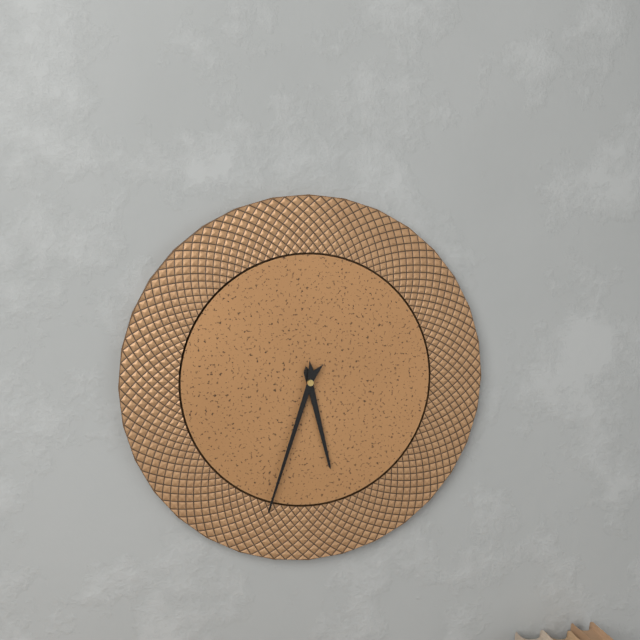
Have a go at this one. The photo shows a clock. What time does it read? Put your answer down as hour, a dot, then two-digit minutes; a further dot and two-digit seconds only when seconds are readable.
5.33
